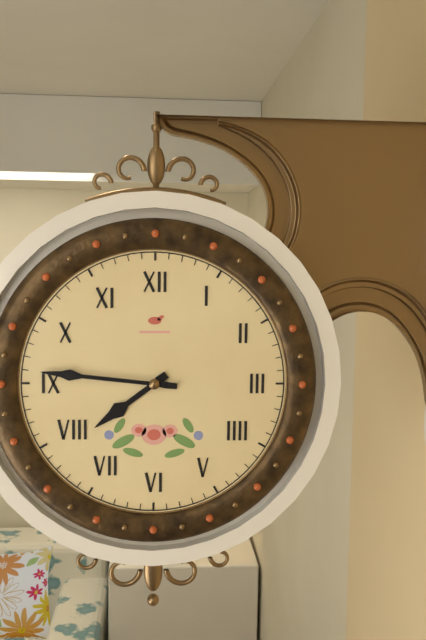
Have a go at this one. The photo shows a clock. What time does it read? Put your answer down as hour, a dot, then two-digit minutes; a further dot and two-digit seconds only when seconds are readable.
7.46
